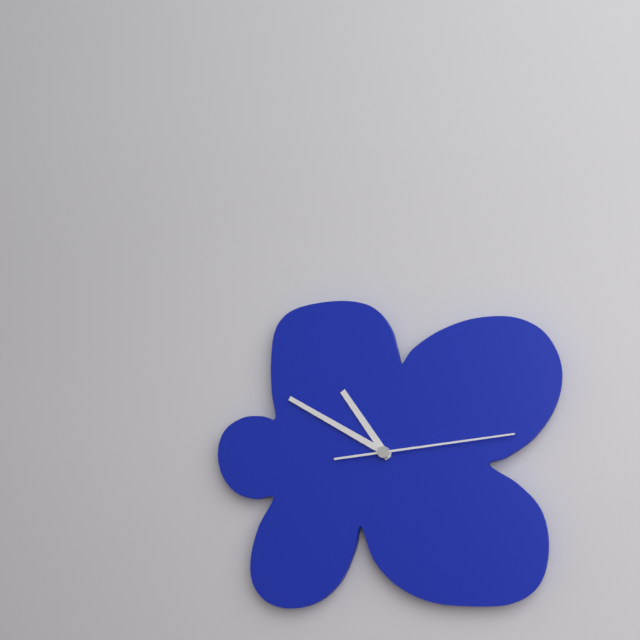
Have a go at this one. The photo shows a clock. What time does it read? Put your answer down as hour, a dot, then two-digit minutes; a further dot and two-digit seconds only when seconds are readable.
10.50.14
